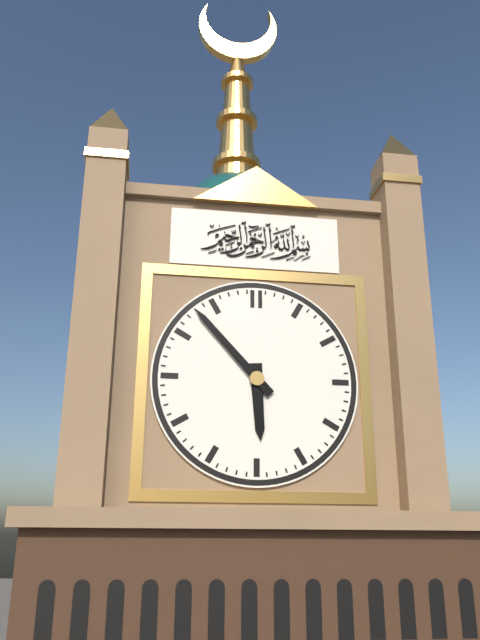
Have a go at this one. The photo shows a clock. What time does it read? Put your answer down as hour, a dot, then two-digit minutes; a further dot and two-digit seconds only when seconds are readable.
5.53
